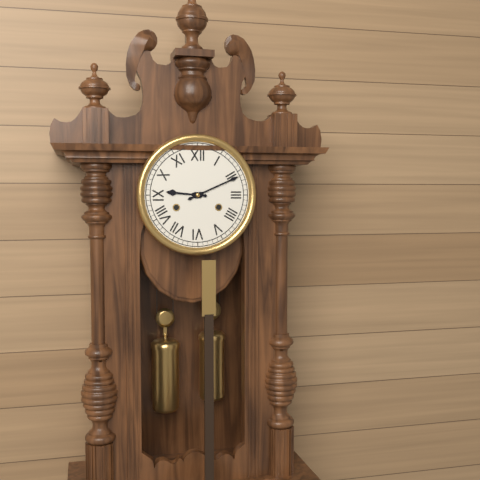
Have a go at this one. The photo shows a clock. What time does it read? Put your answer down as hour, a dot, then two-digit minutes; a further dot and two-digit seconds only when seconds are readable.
9.11
